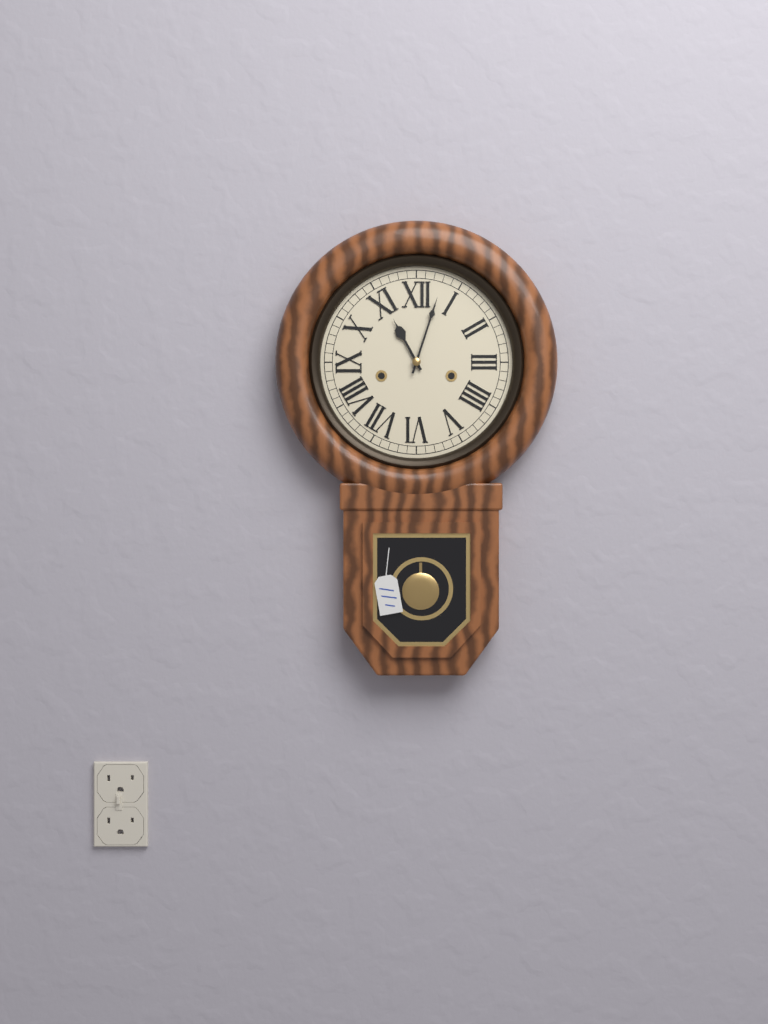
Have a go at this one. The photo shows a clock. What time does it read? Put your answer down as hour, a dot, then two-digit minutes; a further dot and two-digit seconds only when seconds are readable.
11.03
